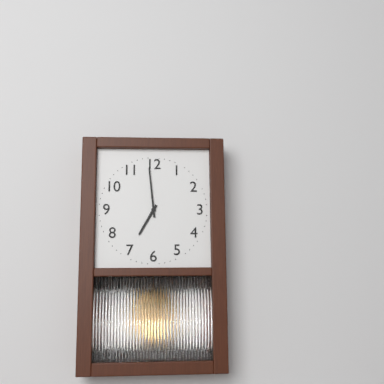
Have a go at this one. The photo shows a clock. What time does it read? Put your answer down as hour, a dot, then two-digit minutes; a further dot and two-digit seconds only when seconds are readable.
6.59
